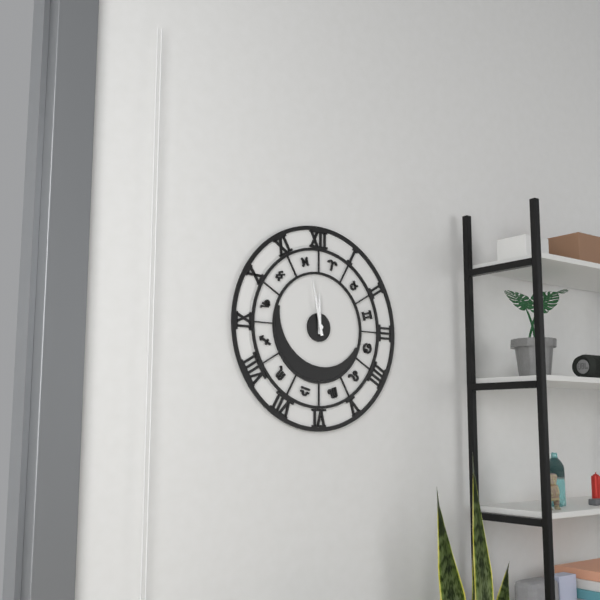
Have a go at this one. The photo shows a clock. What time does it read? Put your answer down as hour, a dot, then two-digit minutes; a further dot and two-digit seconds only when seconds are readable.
11.58
